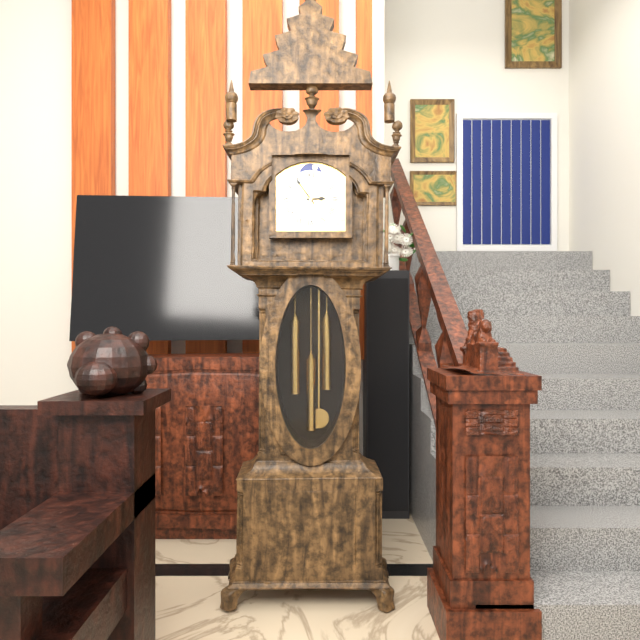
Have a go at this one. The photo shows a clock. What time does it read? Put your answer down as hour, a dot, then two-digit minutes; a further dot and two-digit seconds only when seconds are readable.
2.54
